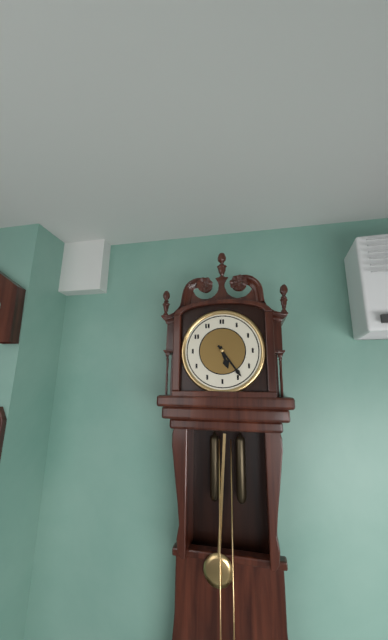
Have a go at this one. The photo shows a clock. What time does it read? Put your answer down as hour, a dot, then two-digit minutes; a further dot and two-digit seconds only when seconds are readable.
5.24
